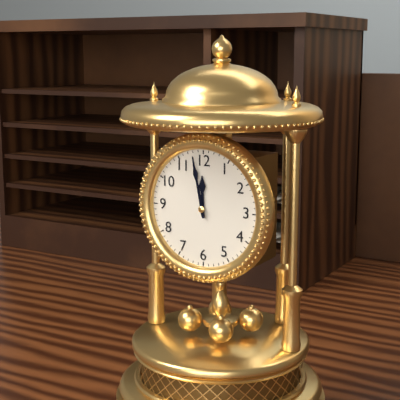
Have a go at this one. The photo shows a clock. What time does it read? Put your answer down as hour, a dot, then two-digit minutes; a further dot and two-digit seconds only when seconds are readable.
11.58
